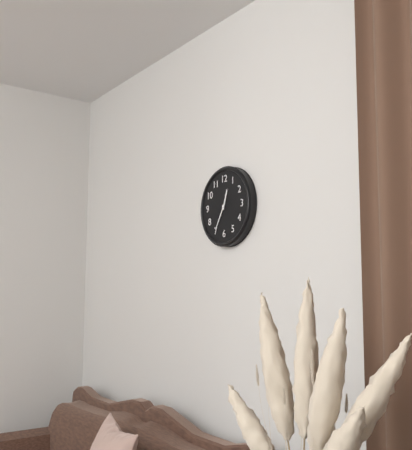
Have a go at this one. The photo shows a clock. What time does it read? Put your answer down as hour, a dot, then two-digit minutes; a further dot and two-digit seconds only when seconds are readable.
12.35
